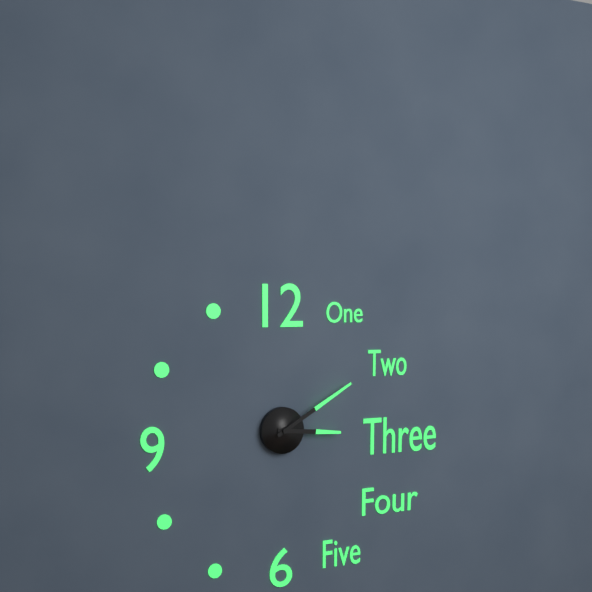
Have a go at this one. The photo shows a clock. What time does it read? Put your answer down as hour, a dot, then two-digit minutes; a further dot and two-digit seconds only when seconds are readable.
3.10
